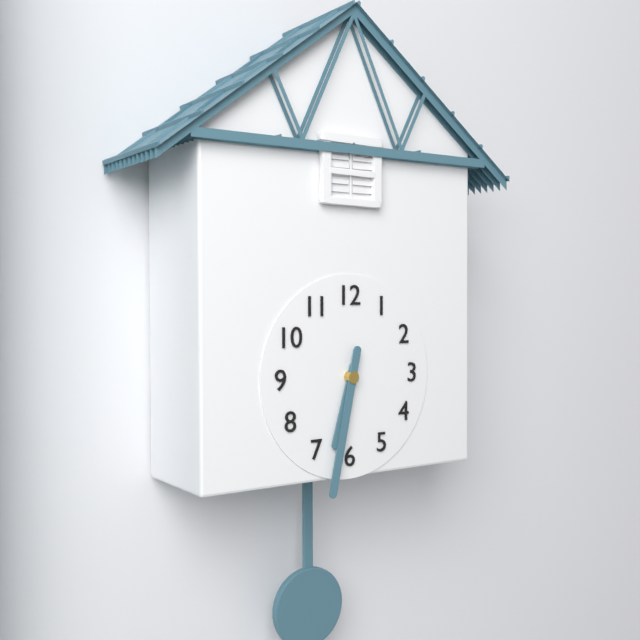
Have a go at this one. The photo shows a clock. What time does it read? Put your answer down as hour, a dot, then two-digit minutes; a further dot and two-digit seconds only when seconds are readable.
6.32
